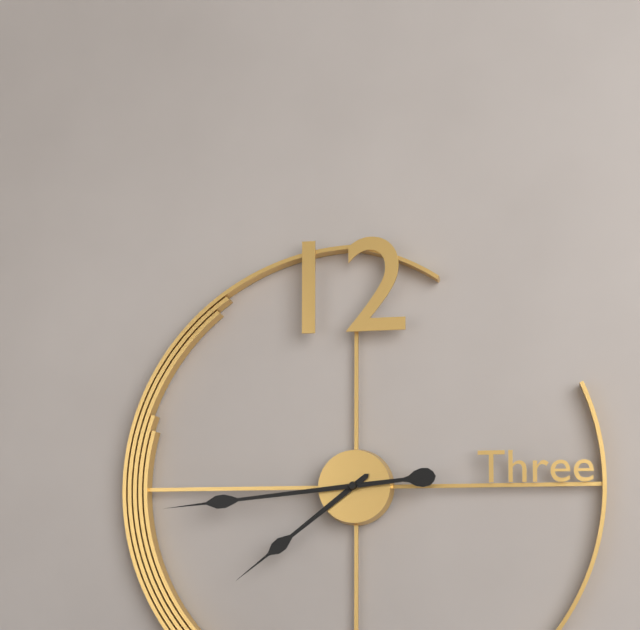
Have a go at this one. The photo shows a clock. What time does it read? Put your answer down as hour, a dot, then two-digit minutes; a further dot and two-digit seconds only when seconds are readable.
7.44
